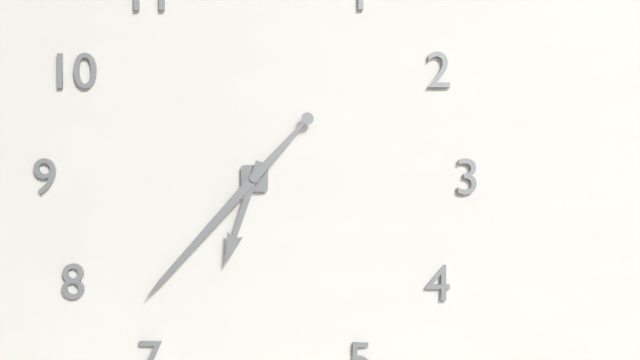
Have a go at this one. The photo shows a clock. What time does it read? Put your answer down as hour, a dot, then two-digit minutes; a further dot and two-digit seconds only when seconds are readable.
6.37
